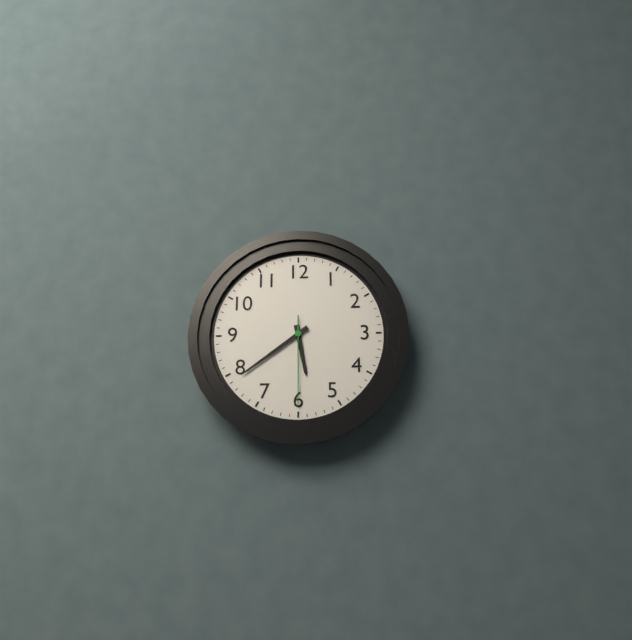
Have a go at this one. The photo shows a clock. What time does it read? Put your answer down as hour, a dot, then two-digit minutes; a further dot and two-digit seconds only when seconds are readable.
5.39.30
